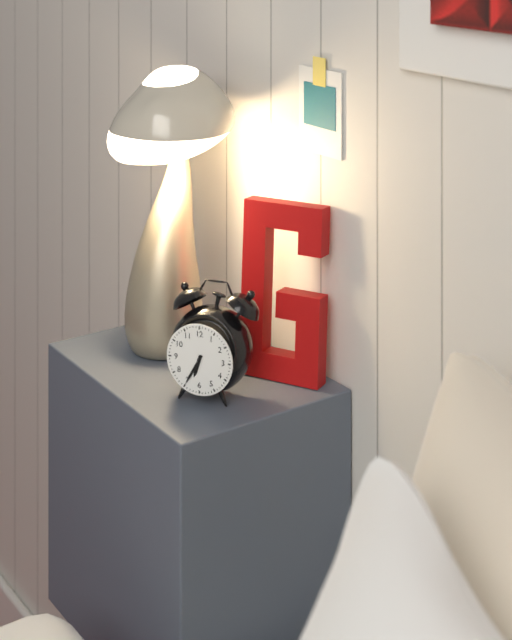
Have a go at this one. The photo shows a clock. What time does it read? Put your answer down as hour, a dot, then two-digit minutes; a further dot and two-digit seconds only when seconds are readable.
6.35
